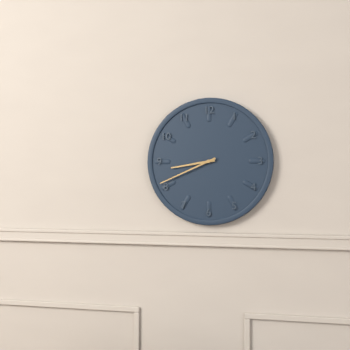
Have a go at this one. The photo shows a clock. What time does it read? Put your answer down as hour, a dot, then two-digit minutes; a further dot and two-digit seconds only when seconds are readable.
8.41
